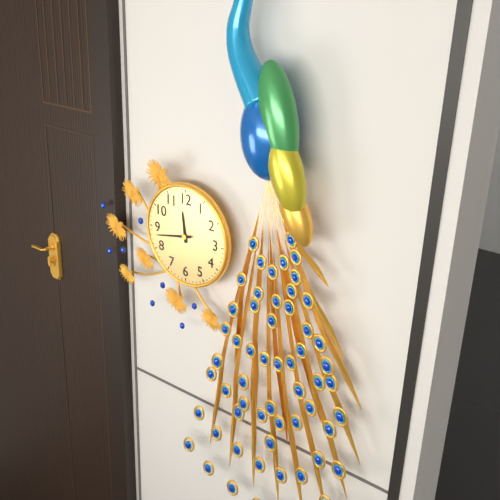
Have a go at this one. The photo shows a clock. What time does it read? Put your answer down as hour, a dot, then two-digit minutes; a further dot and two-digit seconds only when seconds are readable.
11.43
